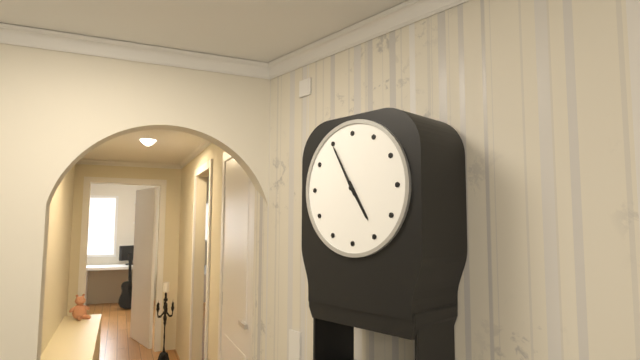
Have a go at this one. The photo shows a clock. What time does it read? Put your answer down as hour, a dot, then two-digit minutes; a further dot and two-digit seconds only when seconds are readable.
4.55
